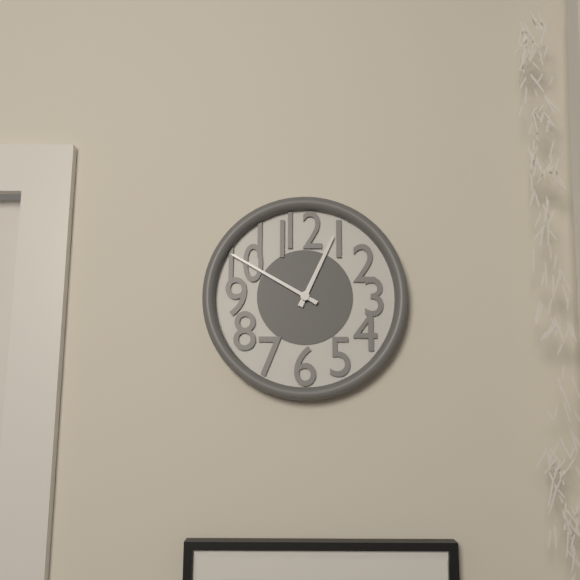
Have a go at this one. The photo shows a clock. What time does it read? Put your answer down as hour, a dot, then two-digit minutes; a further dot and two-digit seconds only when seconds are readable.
12.50
